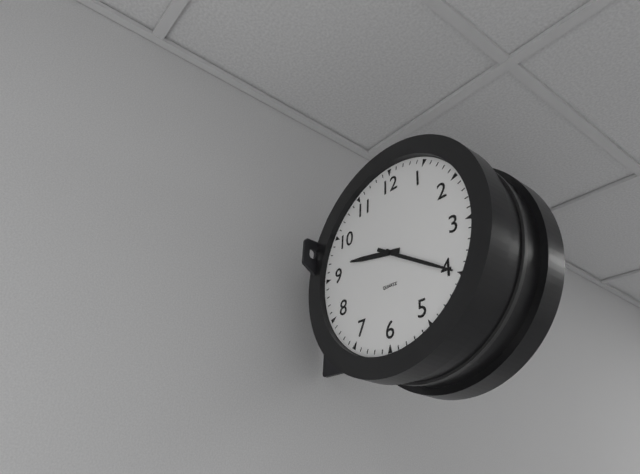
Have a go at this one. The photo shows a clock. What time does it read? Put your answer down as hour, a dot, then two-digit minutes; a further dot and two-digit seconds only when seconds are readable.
9.20
